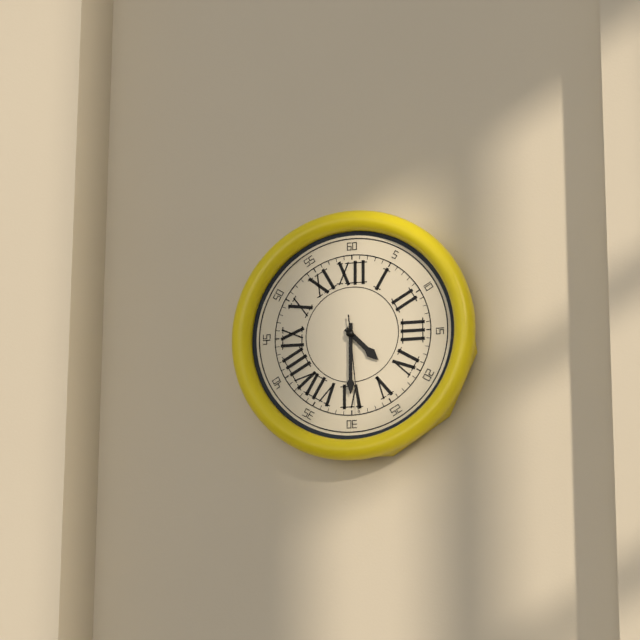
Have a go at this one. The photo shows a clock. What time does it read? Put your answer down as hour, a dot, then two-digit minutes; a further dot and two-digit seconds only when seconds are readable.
4.30.29
